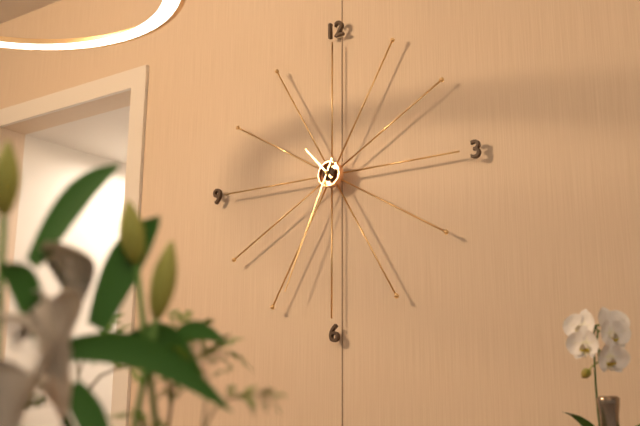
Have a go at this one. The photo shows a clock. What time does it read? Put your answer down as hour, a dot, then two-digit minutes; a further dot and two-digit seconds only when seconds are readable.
10.34
